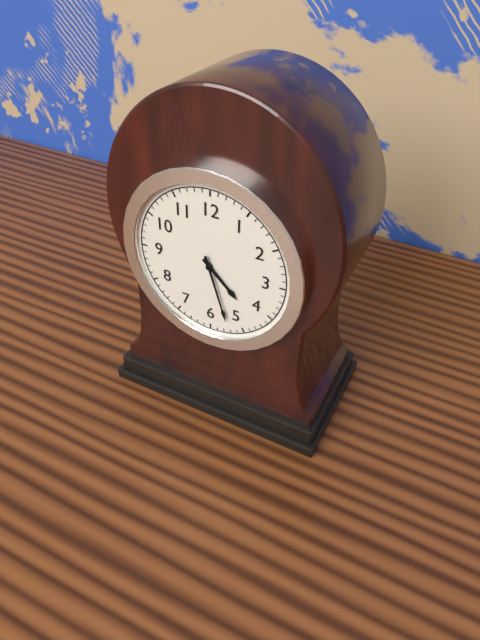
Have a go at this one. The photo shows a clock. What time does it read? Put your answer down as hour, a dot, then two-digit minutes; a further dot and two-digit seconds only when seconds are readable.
4.27
